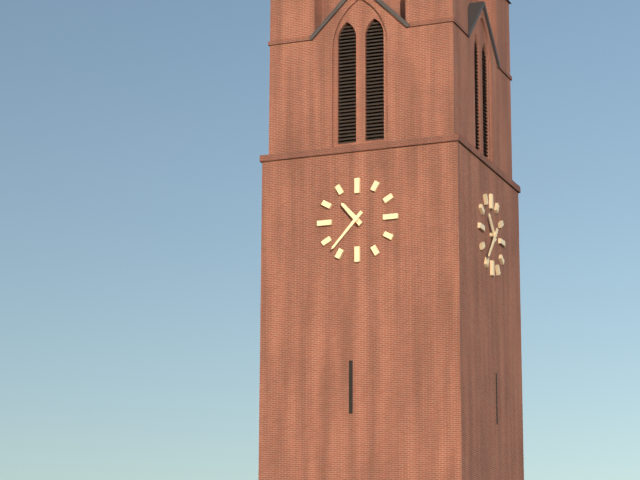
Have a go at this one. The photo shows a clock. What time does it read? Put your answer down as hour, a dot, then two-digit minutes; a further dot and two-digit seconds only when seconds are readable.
10.37
